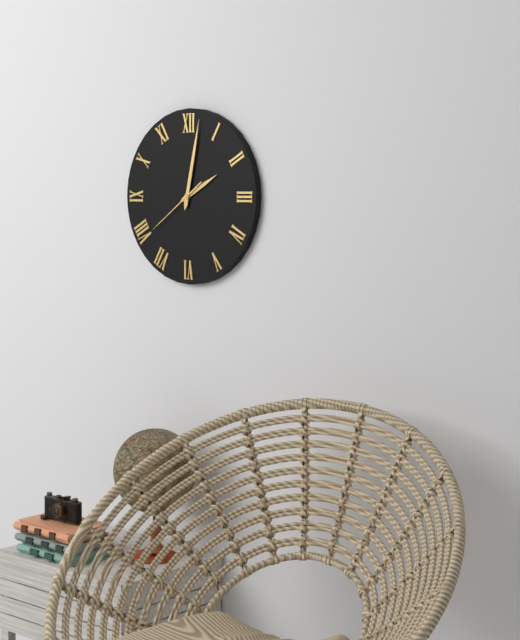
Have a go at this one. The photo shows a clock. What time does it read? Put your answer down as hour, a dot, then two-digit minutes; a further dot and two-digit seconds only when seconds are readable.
2.02.39
